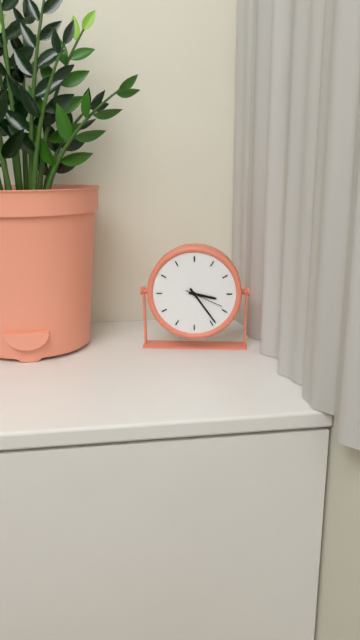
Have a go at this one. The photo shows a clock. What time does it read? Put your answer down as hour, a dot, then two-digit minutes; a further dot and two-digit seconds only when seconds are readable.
3.24
